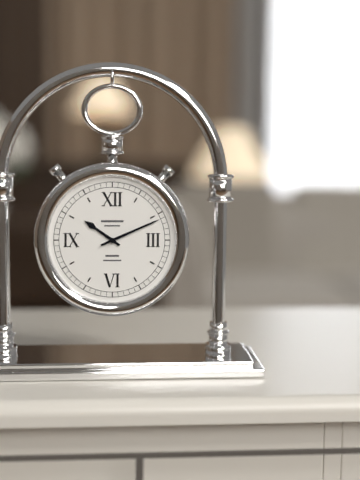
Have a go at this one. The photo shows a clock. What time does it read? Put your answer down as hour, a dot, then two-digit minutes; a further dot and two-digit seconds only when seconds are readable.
10.11
